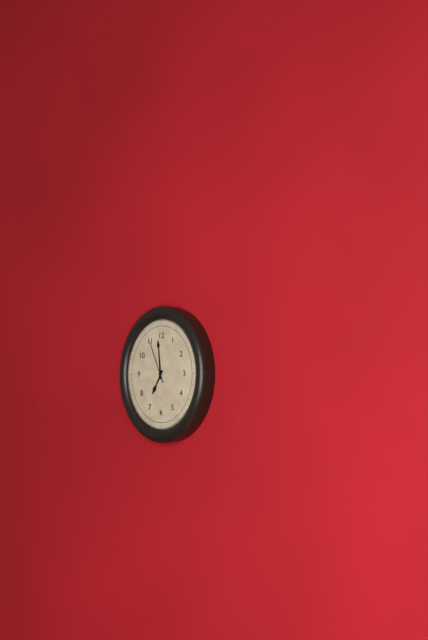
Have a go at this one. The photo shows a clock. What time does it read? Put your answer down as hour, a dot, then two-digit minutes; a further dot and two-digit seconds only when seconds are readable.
6.59
